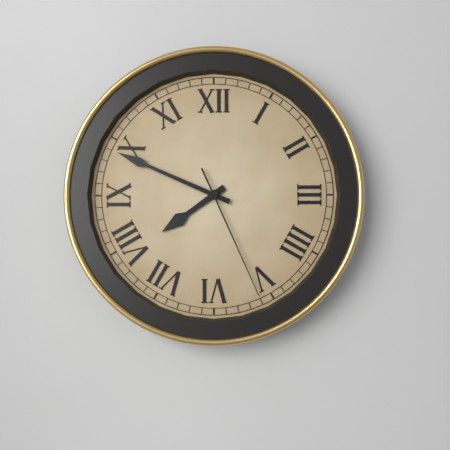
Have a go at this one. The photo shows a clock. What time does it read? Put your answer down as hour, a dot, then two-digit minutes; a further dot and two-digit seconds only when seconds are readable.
7.49.26
